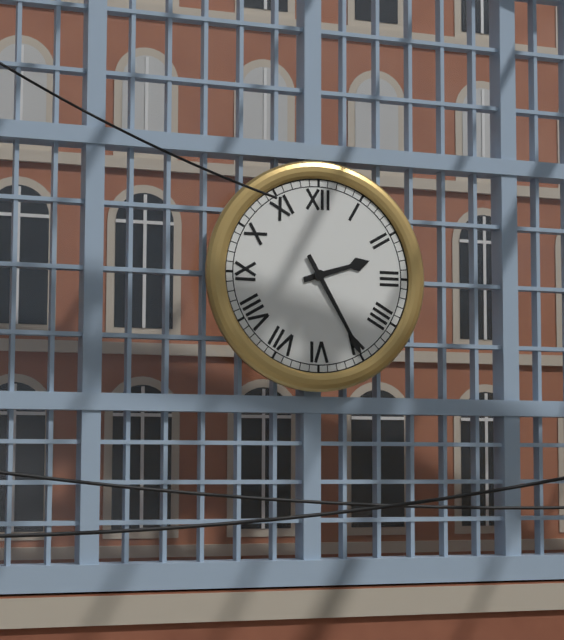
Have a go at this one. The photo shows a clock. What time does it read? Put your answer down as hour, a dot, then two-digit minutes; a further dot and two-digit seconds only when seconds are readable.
2.25
